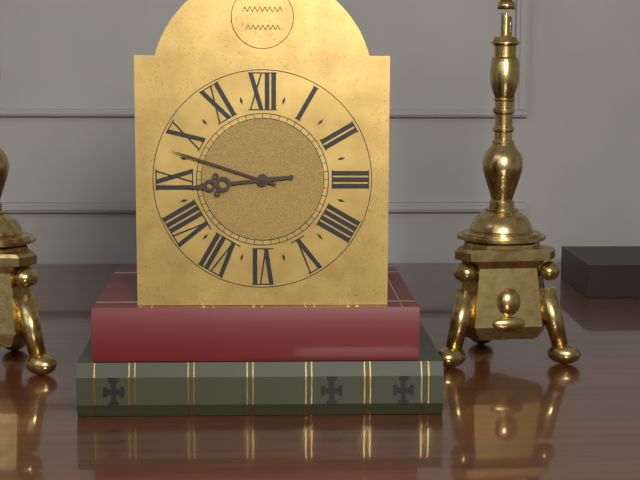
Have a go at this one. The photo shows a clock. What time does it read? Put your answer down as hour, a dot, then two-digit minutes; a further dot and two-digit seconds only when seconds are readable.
8.48
